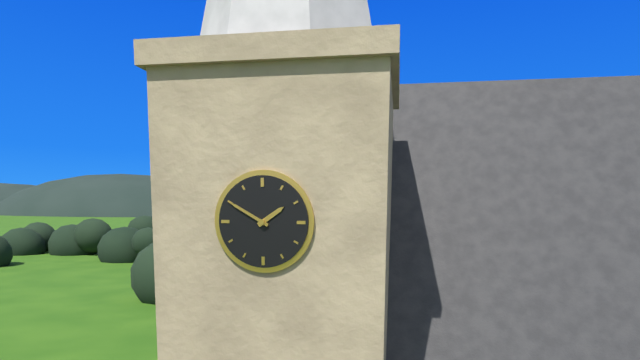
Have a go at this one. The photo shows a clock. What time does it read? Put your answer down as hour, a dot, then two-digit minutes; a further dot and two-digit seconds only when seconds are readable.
1.50
